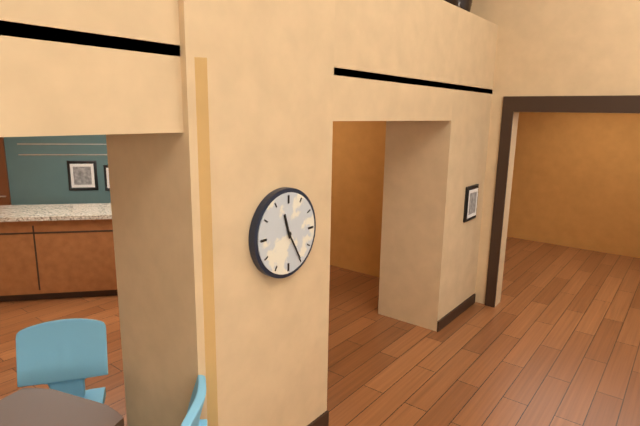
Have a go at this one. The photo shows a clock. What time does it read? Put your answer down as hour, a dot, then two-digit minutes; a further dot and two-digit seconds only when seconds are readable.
11.25
